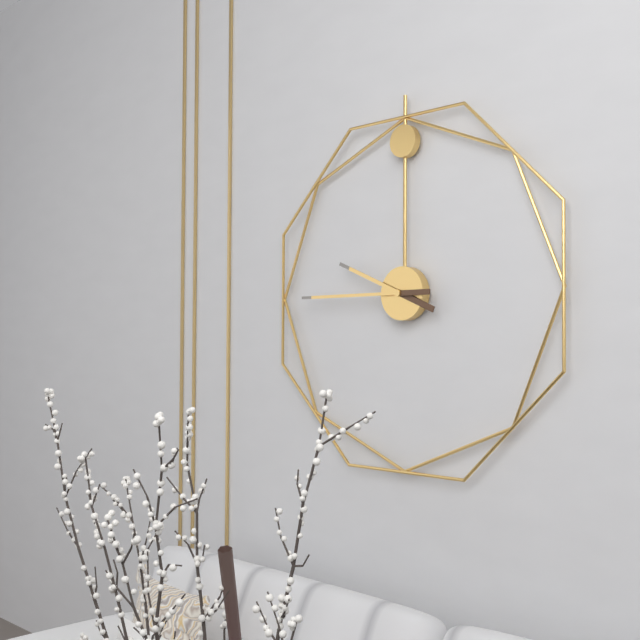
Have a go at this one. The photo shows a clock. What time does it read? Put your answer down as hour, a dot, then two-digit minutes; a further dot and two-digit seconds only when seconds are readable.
9.45
